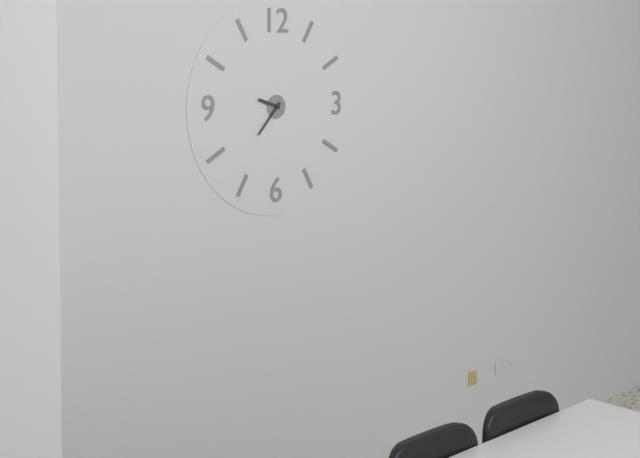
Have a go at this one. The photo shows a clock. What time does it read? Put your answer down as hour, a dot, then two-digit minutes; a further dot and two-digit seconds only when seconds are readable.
9.37
